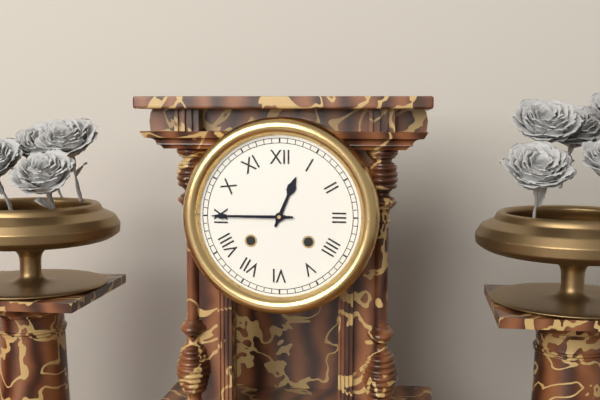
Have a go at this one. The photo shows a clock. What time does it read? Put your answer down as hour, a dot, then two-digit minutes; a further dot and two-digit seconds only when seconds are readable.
12.45
